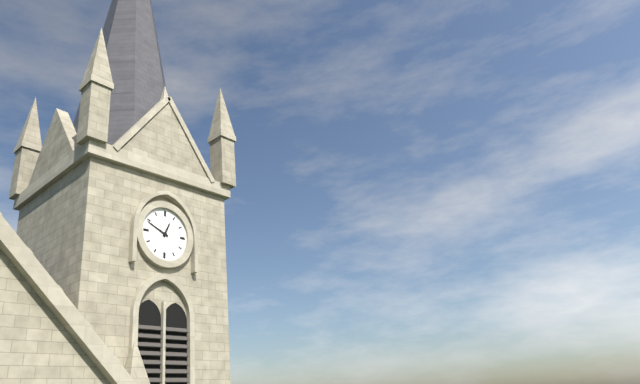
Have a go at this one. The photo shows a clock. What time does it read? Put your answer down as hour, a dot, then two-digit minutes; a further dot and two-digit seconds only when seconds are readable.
12.49
